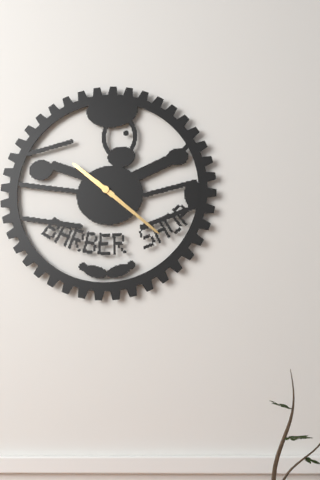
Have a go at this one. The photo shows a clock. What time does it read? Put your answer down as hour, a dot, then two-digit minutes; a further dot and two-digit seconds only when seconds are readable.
10.22
